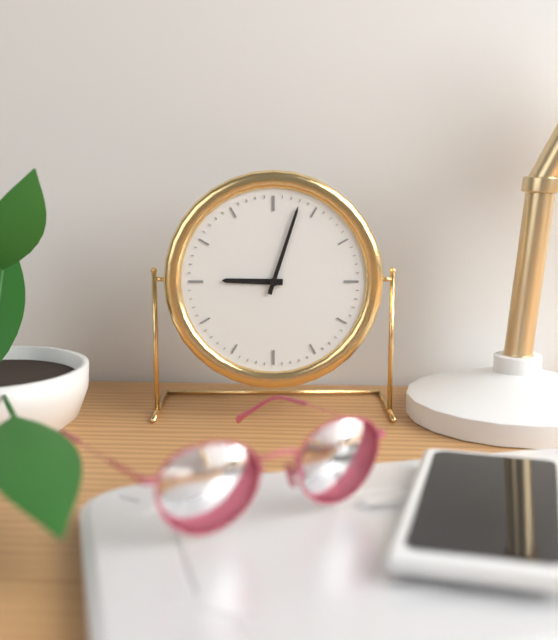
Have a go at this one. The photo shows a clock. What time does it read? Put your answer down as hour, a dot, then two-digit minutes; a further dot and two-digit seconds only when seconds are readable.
9.03
